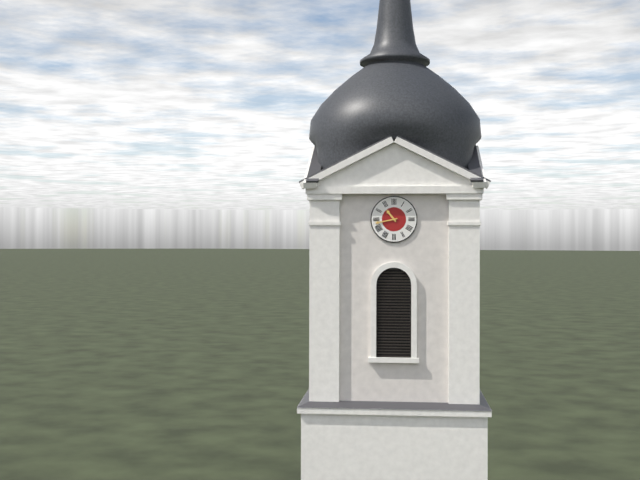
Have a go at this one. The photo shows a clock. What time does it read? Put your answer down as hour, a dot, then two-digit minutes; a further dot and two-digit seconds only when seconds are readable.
10.43
